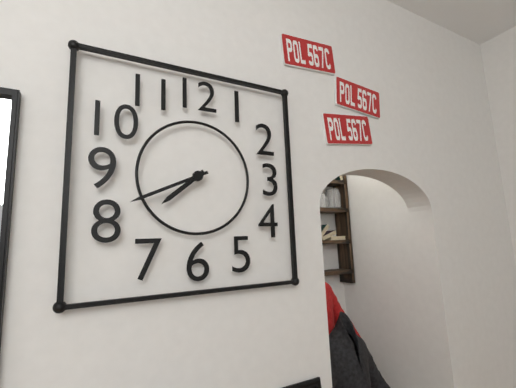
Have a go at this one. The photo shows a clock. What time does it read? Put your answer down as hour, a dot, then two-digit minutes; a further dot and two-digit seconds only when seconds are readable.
7.41
